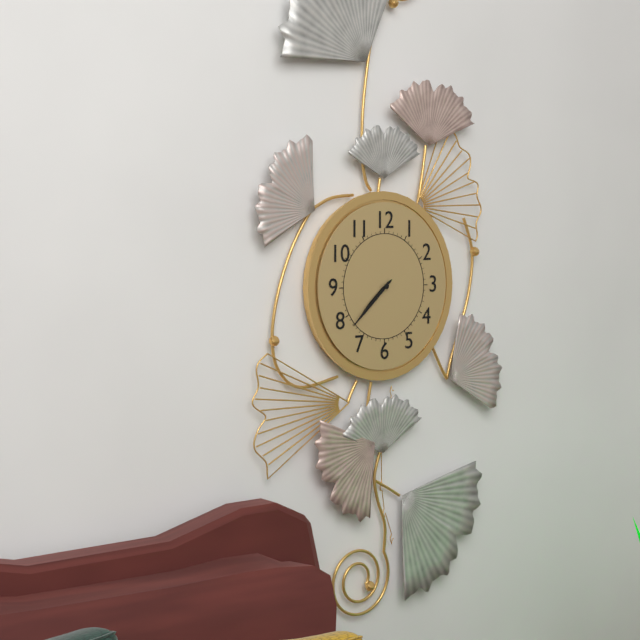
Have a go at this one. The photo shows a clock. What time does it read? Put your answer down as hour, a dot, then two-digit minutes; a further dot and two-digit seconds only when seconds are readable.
7.38
